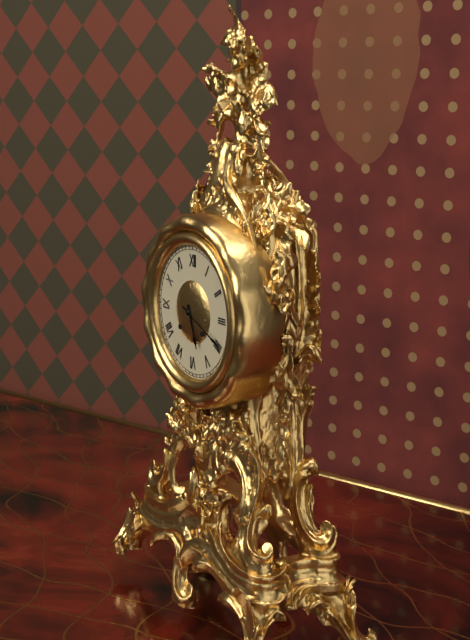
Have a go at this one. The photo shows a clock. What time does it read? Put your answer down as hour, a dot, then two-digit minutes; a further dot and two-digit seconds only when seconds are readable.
5.19
